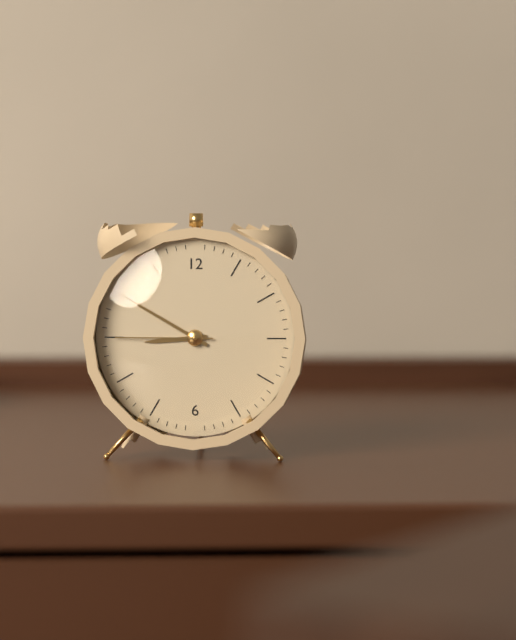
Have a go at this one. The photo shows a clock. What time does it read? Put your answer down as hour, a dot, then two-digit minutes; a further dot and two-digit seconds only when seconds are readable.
8.50.45
